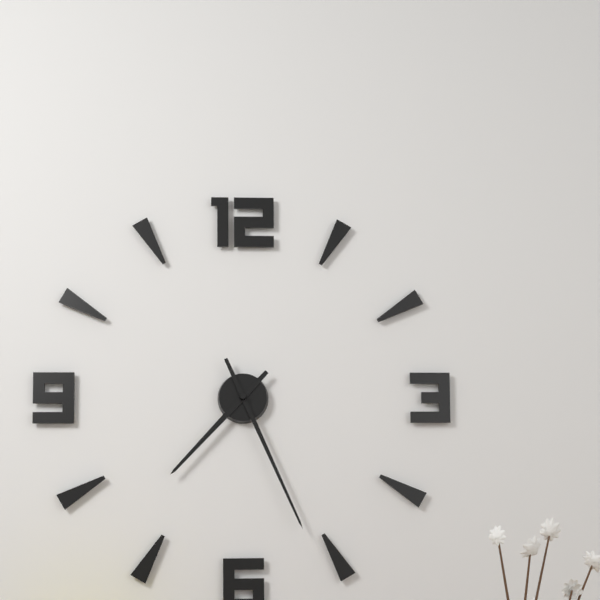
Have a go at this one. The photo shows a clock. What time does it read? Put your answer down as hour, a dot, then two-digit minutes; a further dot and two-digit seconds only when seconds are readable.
7.26
